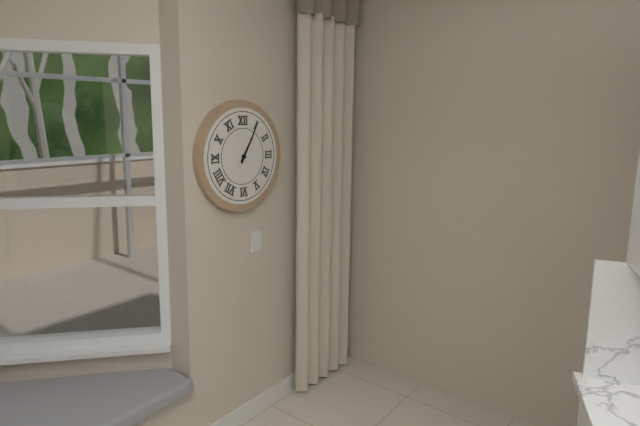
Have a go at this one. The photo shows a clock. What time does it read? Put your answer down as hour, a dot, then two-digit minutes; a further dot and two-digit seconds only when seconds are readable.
1.05
